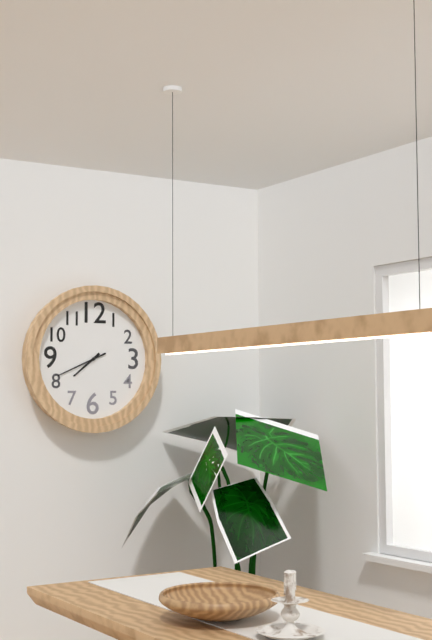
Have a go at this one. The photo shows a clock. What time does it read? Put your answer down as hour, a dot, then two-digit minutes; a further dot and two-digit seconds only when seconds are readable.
7.41
